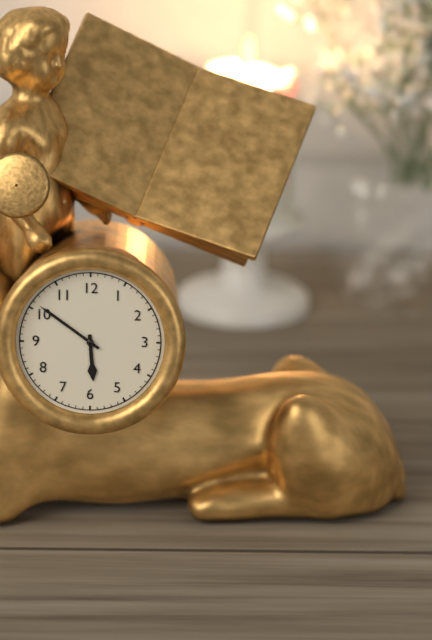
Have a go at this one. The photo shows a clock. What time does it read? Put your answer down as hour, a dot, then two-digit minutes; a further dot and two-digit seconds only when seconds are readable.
5.51
